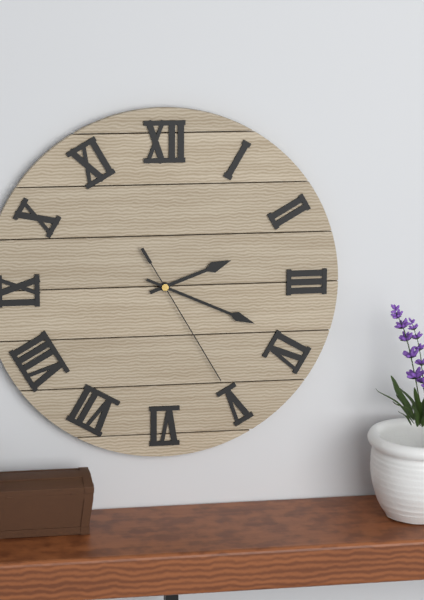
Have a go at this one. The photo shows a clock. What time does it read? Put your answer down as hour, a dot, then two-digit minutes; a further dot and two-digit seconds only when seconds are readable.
2.19.25
